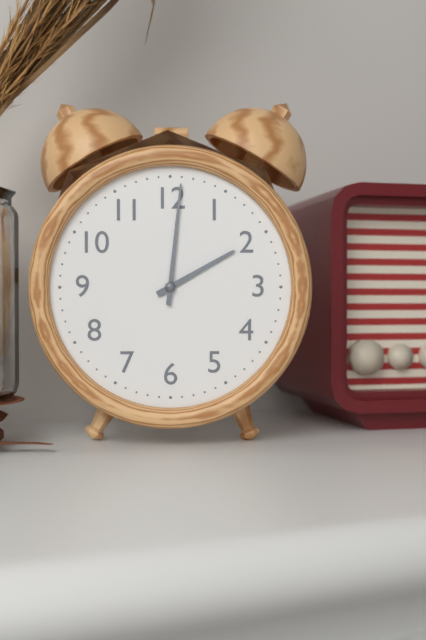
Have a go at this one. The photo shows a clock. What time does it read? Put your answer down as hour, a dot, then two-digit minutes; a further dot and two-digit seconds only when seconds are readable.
2.01
